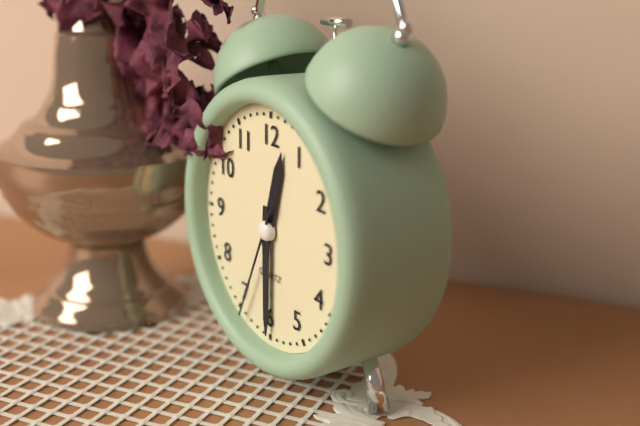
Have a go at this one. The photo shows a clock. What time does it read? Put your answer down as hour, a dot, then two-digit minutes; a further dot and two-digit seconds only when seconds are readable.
12.30.34
